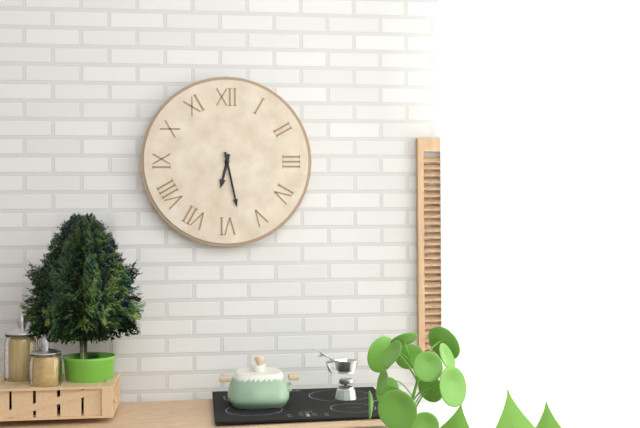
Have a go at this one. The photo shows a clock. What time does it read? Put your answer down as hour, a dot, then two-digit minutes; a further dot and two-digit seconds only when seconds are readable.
6.28
